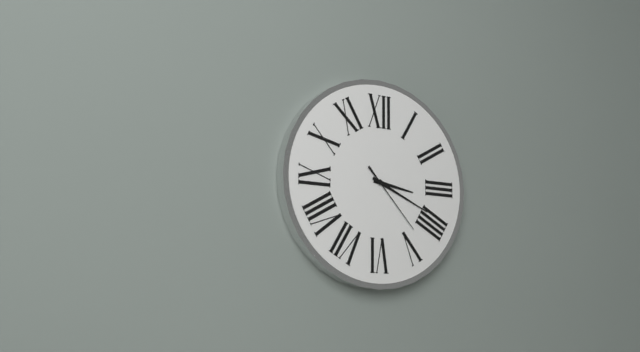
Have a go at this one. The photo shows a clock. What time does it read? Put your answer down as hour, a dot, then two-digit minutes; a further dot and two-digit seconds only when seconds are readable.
3.19.23
